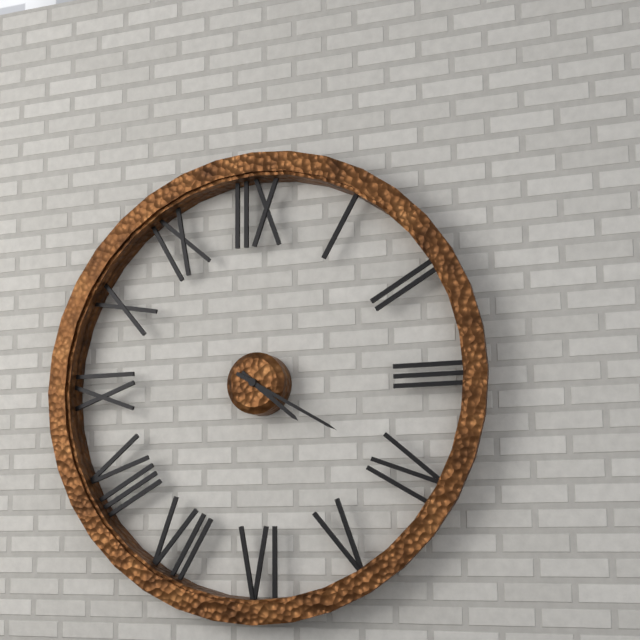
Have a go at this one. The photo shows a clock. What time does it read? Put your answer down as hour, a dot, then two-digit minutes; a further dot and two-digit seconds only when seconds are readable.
4.20
